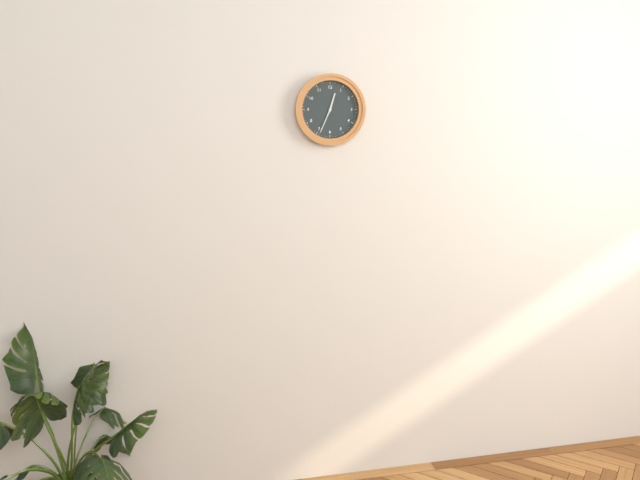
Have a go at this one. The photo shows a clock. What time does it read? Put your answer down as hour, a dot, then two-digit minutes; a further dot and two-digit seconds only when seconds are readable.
12.34
